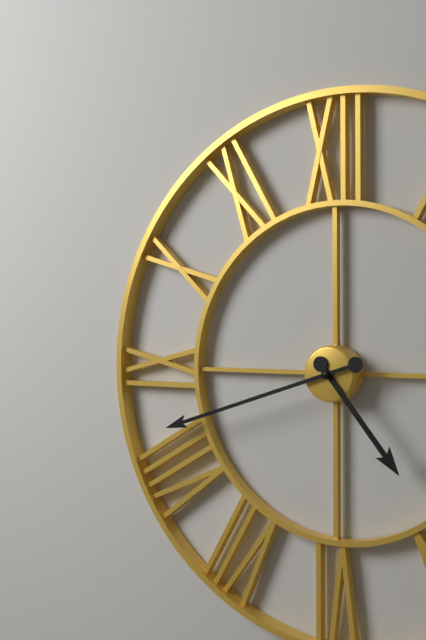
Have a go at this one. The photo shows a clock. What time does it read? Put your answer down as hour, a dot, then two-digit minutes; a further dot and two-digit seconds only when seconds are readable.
4.42
